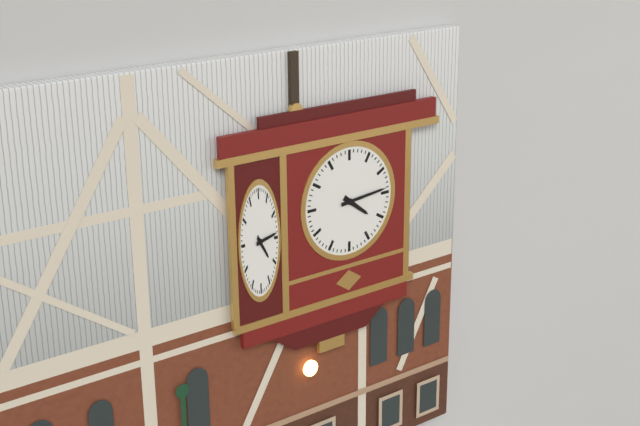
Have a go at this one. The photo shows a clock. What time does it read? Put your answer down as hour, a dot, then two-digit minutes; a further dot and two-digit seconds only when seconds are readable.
4.14
